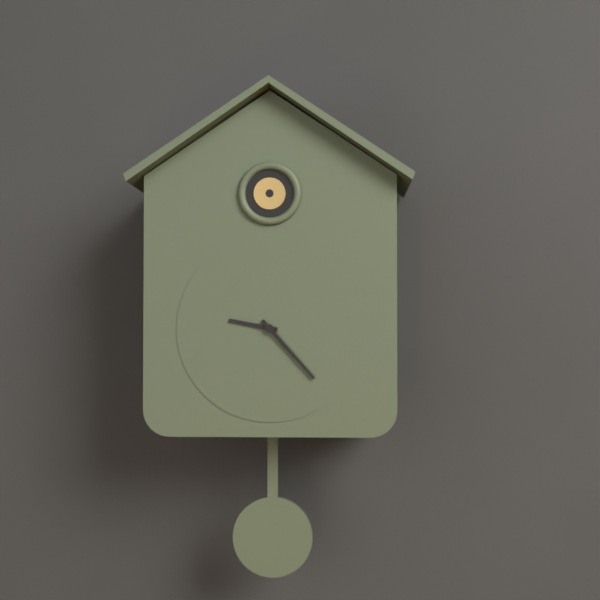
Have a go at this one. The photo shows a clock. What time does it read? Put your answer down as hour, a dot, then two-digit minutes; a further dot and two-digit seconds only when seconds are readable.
9.23
